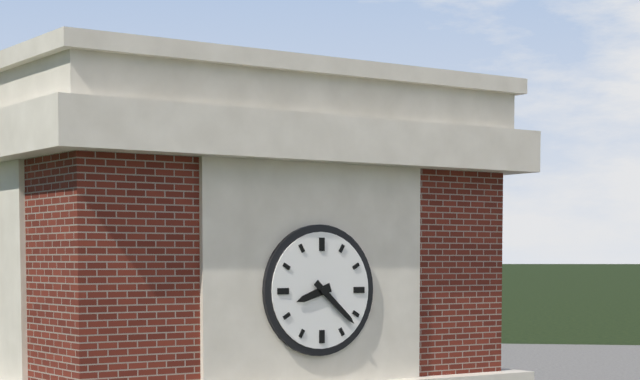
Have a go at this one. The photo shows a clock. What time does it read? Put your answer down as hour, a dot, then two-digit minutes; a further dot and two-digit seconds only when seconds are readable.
8.22
